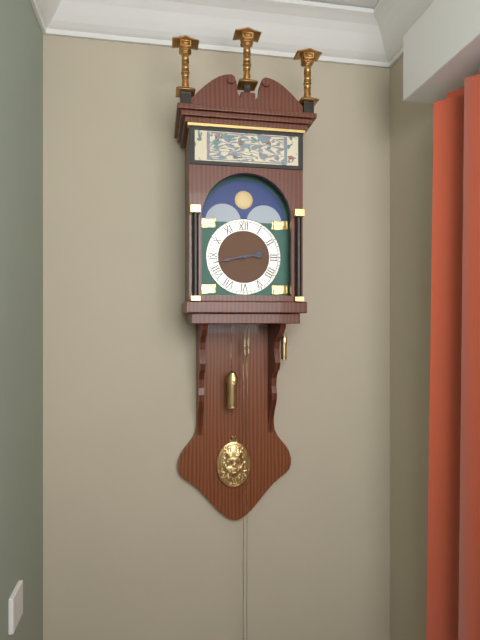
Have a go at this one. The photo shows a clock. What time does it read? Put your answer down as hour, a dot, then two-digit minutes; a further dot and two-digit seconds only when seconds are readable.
2.43
